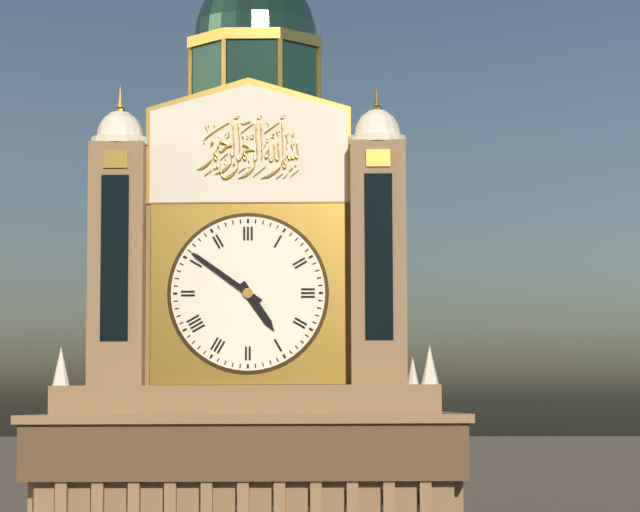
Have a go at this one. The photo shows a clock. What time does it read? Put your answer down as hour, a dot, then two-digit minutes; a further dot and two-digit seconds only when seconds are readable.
4.51
